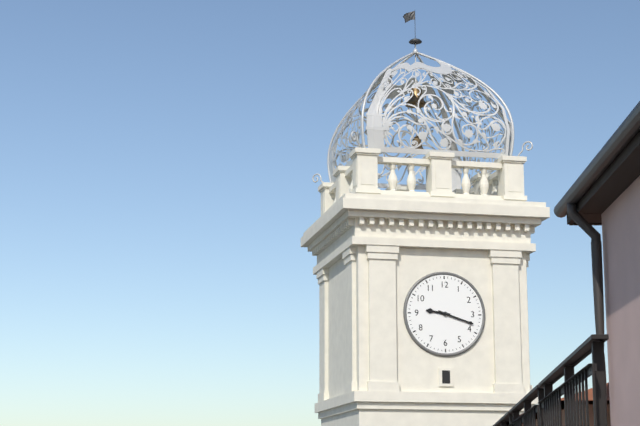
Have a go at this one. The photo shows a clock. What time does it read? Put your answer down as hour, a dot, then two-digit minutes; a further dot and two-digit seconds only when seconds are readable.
9.18
